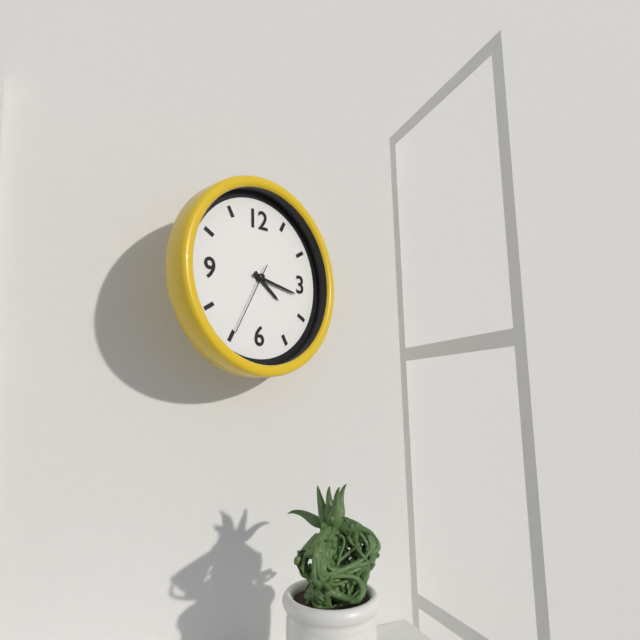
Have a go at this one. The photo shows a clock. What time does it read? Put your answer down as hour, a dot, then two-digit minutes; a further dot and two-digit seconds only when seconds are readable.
4.17.35
